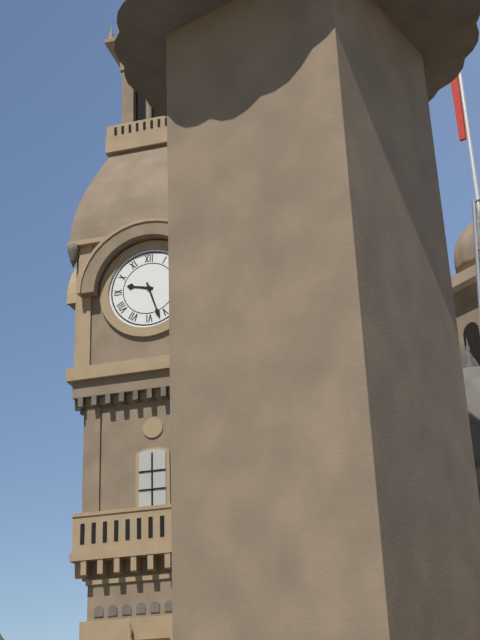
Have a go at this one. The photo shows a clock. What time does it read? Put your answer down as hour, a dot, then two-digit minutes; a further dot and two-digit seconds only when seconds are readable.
9.27
